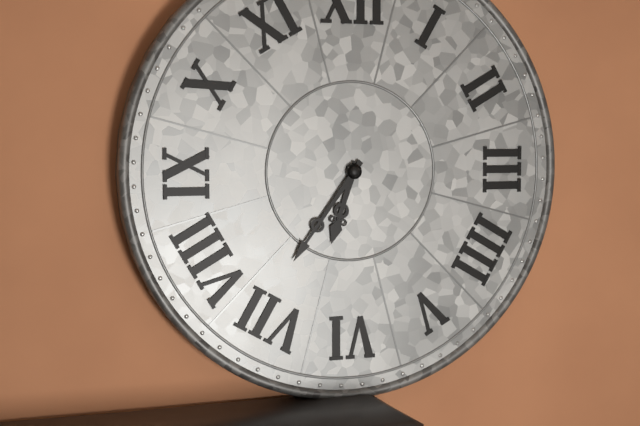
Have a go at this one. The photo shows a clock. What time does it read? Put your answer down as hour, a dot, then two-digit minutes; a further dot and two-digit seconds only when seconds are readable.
6.36
